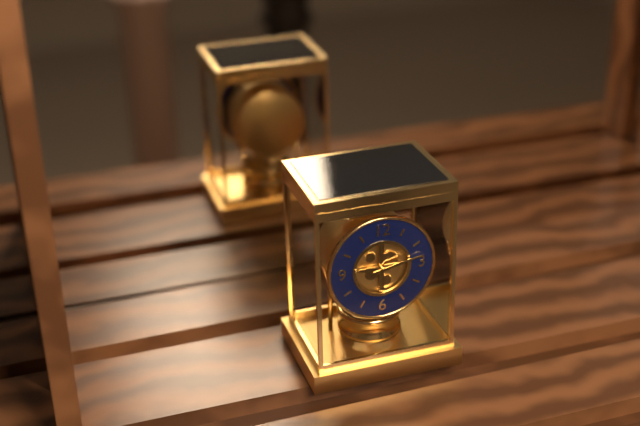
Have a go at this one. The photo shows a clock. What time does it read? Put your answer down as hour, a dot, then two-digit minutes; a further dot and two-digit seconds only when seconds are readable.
9.13
